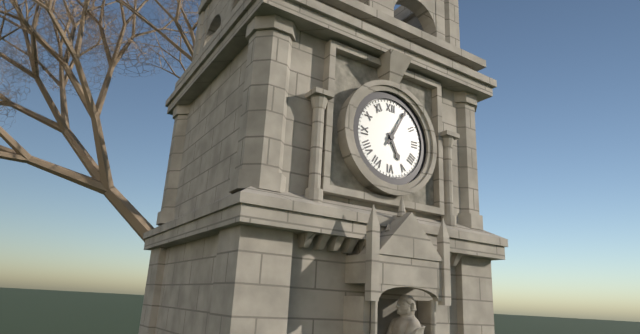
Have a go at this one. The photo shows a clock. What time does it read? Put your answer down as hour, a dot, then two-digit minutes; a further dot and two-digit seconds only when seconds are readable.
5.05
